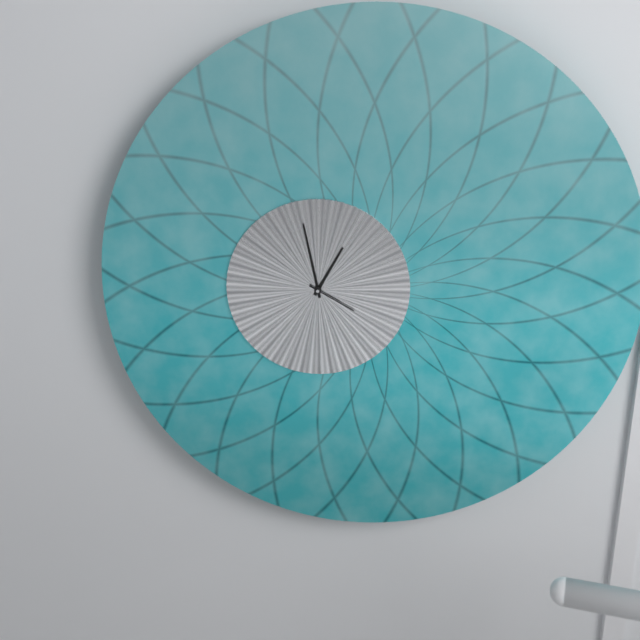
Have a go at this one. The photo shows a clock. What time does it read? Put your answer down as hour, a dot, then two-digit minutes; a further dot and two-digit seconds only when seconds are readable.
12.58.20
